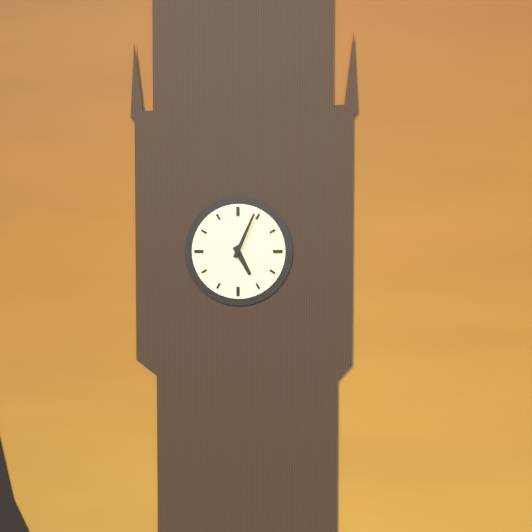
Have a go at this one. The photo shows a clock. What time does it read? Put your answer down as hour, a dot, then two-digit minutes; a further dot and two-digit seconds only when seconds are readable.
5.04
